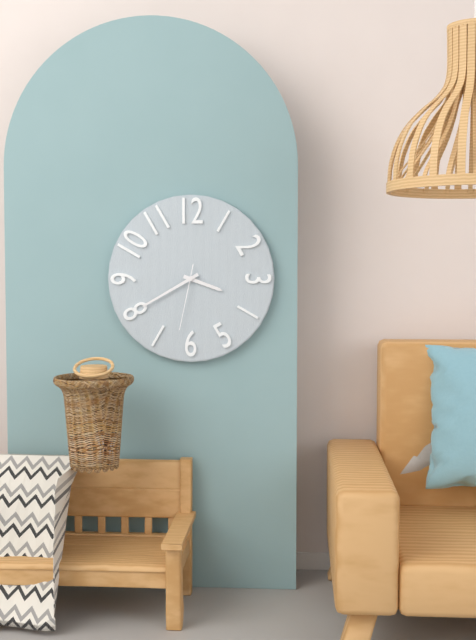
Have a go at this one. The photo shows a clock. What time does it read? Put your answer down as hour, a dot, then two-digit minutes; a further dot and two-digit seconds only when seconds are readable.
3.40.32
